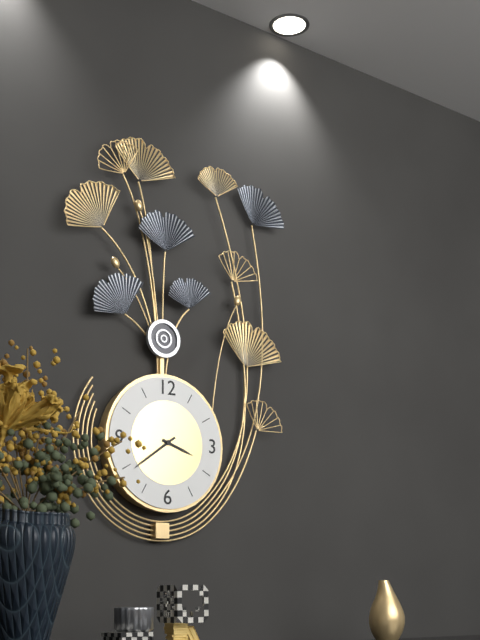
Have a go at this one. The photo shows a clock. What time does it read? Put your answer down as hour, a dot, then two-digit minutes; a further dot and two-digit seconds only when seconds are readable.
3.39
